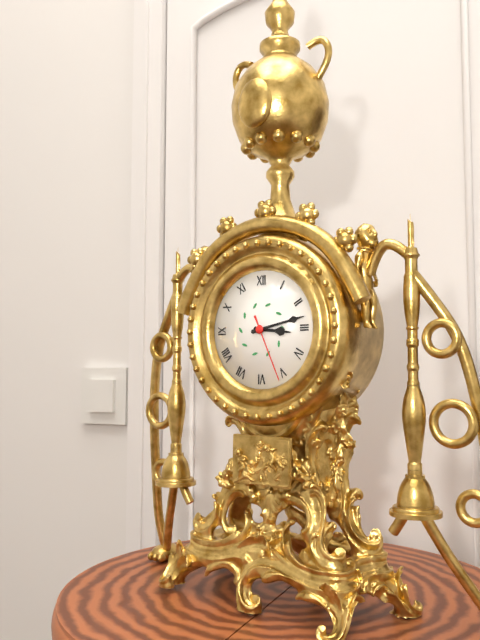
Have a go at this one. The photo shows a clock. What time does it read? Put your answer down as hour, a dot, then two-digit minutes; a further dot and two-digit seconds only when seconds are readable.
3.13.26
